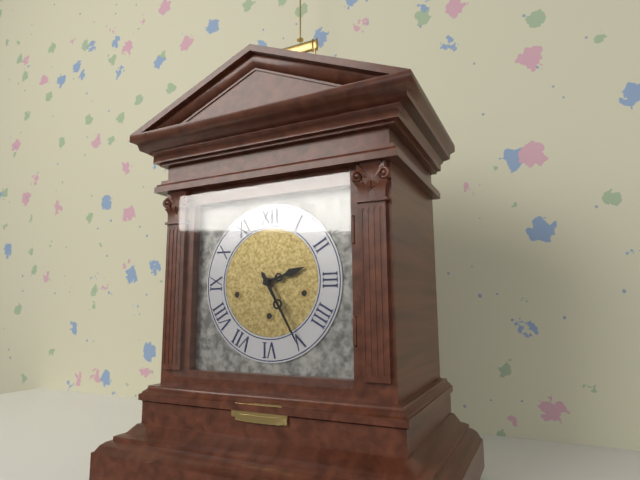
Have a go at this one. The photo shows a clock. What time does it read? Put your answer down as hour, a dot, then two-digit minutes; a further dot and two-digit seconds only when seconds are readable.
2.25
